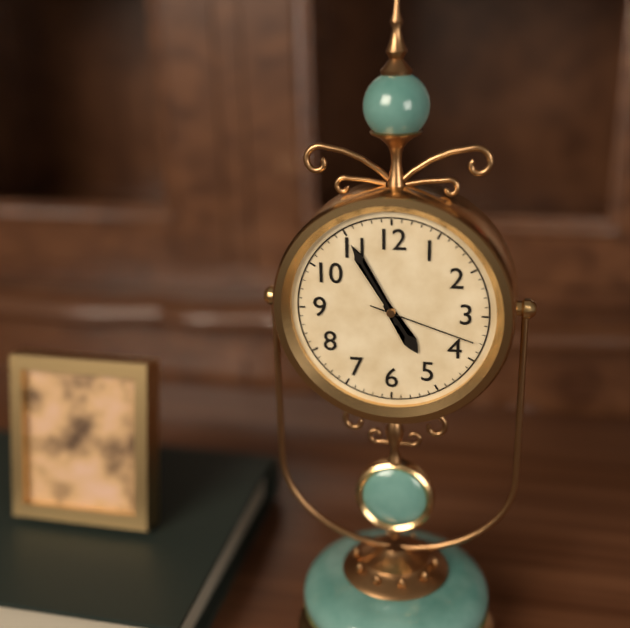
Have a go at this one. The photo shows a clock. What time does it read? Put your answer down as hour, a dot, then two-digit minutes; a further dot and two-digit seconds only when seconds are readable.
4.55.18
